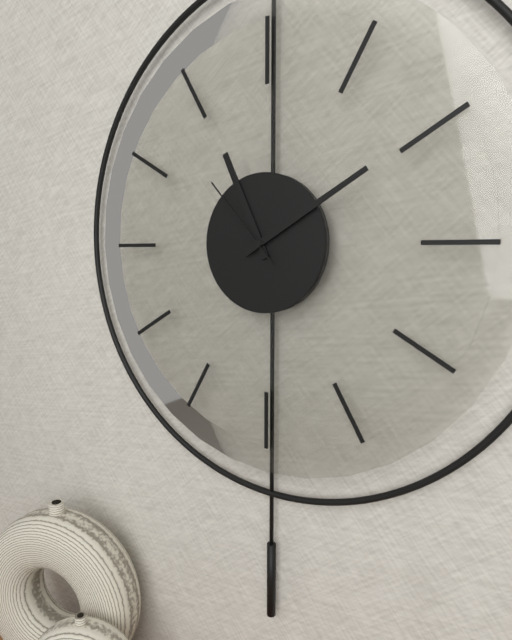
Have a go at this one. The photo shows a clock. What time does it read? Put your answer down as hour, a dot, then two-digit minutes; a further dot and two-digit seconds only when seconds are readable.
11.10.53
